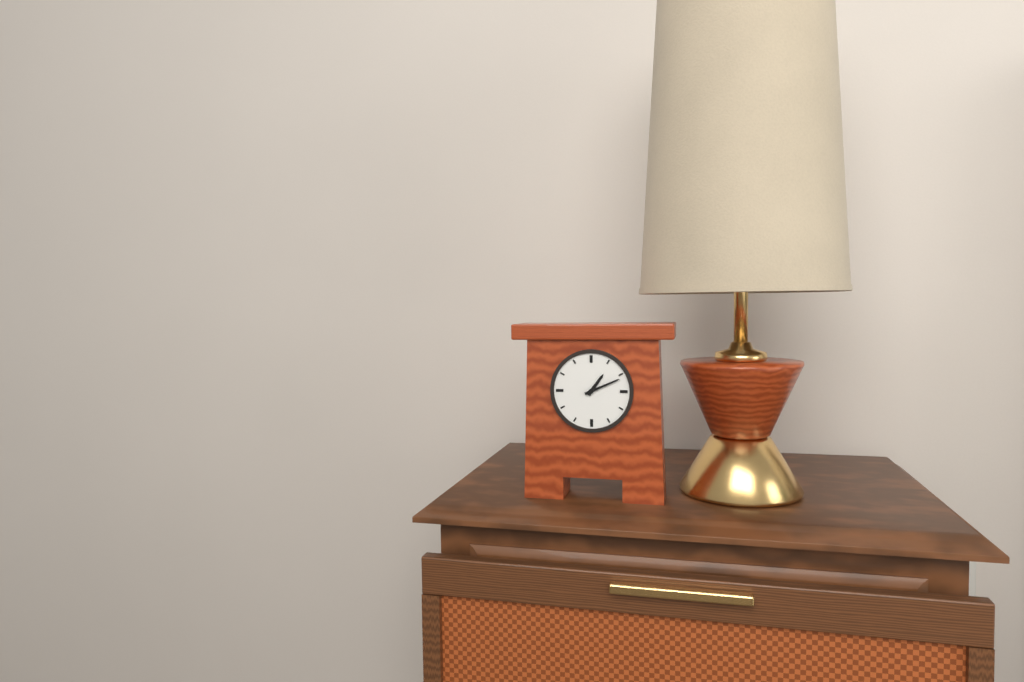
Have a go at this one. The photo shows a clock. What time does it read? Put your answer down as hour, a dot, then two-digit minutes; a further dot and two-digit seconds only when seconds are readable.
1.11
